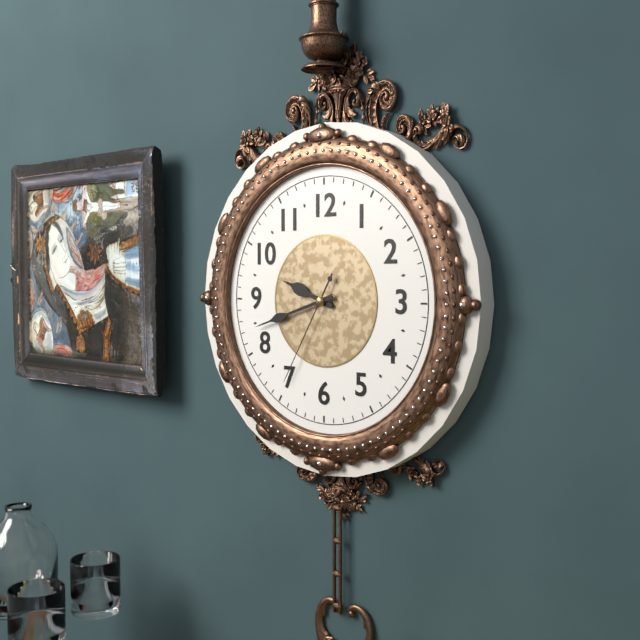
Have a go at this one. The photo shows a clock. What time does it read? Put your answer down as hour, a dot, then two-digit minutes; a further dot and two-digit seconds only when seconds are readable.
9.42.35
